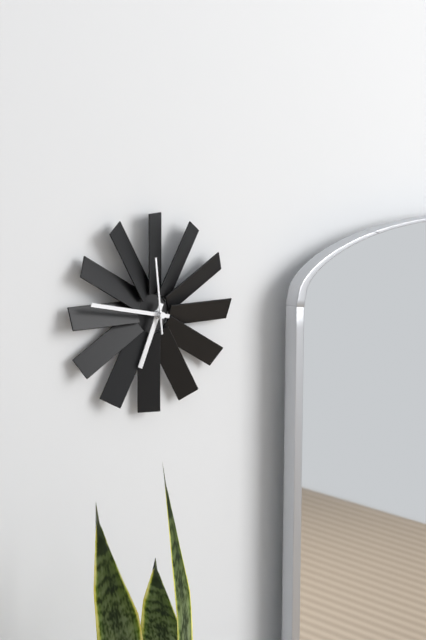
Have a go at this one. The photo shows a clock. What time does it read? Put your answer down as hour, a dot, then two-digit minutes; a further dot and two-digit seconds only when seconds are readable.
6.47.59
